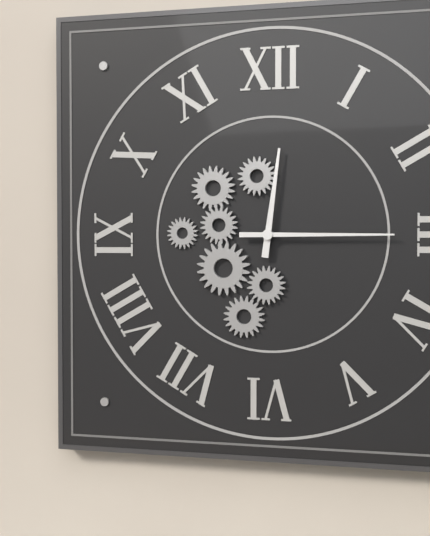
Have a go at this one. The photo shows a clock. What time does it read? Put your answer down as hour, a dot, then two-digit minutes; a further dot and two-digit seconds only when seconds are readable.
12.15
